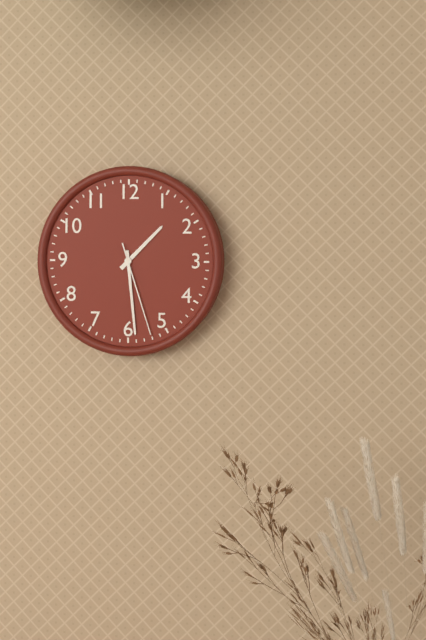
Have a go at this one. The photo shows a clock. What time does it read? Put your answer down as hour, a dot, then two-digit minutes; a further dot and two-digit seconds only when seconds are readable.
1.29.27
